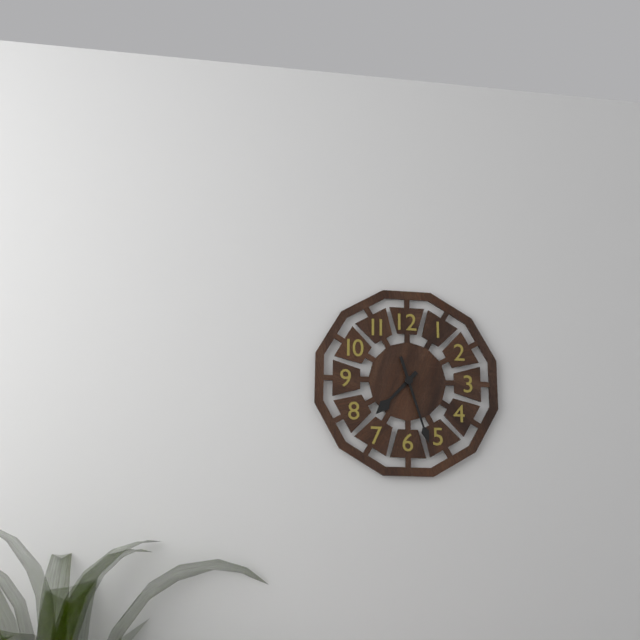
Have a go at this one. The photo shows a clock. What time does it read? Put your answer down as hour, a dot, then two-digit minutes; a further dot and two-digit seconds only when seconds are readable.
7.27
